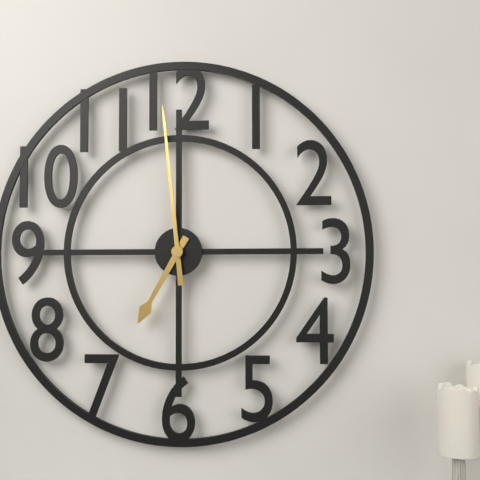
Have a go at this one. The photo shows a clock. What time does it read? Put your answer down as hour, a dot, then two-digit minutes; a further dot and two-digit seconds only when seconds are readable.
6.59
